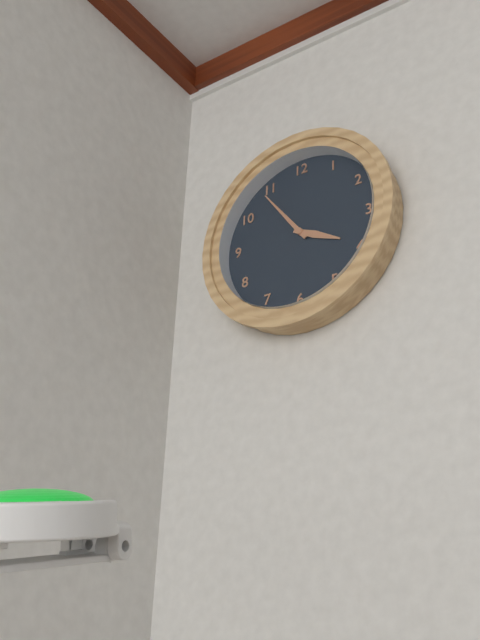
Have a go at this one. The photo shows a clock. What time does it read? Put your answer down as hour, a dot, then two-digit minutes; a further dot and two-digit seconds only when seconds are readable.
3.54
